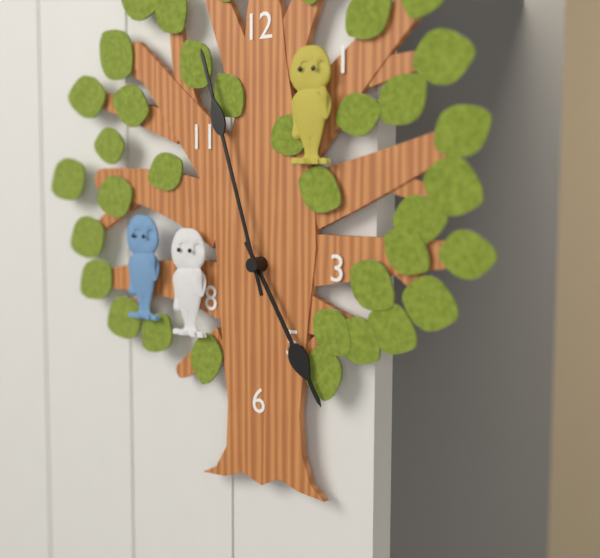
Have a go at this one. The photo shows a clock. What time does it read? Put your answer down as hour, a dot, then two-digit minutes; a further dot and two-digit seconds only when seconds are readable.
4.57
